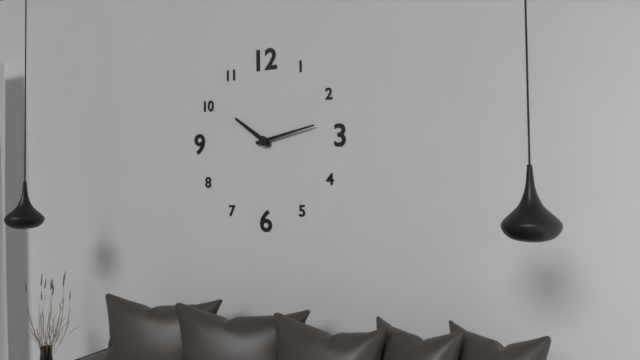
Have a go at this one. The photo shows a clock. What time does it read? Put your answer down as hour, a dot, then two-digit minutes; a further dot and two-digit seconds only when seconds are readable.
10.13
